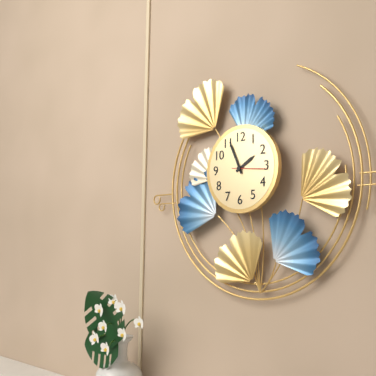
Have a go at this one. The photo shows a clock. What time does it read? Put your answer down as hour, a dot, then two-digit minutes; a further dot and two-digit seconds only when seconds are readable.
1.56
